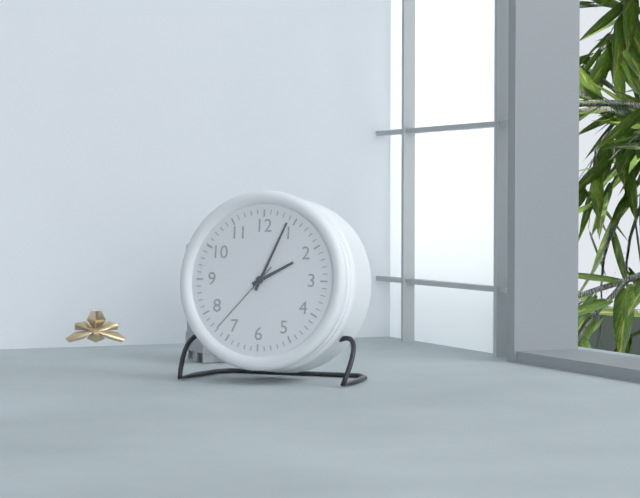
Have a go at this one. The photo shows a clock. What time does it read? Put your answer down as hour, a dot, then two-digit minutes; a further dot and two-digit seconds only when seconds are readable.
2.04.37
